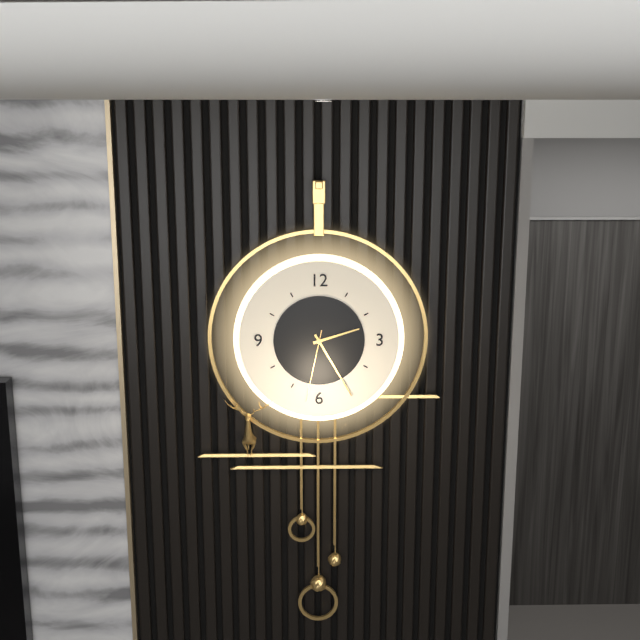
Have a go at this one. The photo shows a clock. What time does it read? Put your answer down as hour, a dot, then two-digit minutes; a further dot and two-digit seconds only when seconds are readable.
2.25.32
